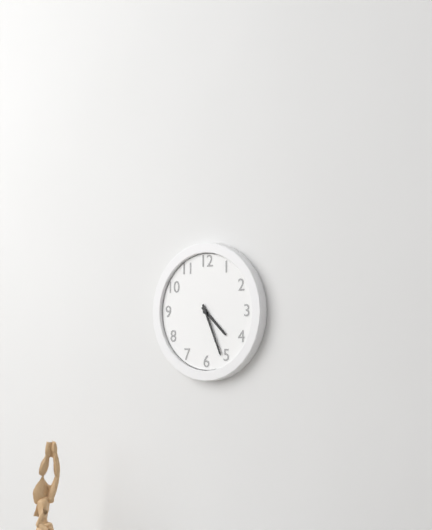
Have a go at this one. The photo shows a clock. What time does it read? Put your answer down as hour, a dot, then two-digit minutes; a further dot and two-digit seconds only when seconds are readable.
4.26
